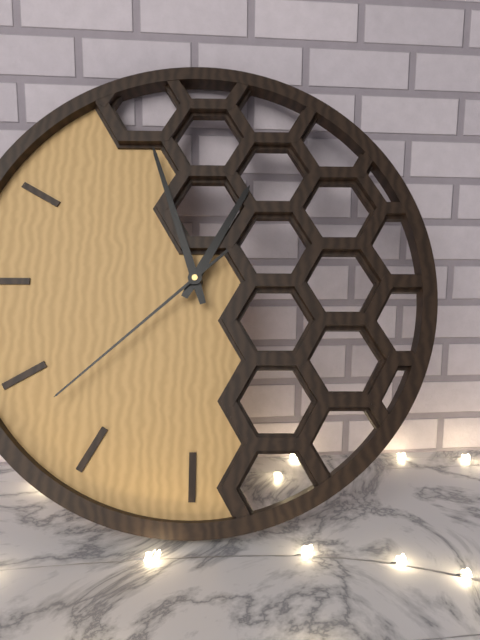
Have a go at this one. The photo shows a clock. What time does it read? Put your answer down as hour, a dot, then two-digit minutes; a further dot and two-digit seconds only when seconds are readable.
12.57.38
